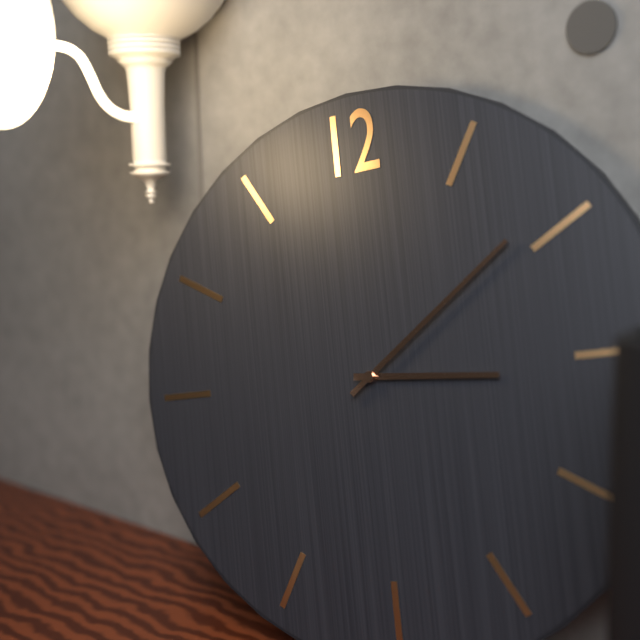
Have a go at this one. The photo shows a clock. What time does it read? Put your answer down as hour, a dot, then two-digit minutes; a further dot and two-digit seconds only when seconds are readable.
3.09
